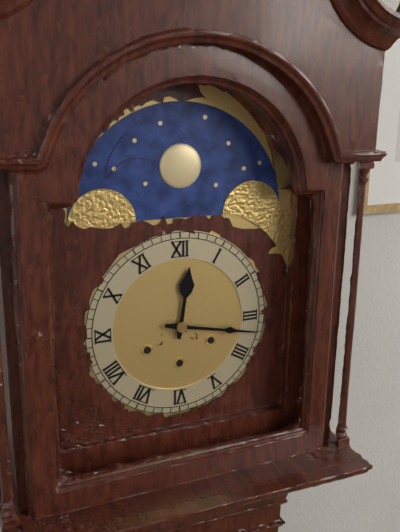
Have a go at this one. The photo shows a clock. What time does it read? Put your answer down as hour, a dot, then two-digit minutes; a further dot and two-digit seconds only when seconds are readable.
12.17
